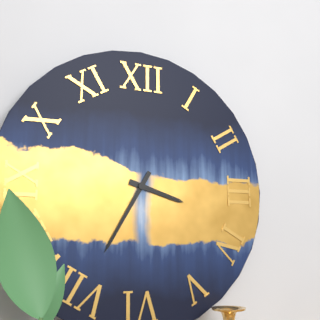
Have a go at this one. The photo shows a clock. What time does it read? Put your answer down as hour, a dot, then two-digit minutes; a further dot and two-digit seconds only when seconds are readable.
3.35
